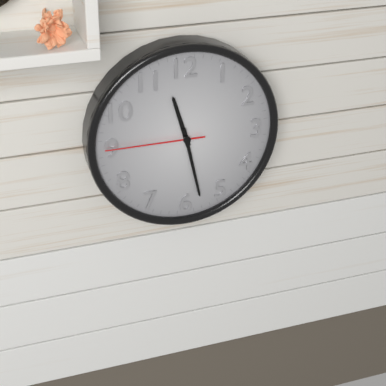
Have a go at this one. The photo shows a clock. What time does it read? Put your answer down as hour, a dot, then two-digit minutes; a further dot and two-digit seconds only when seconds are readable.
11.28.45
